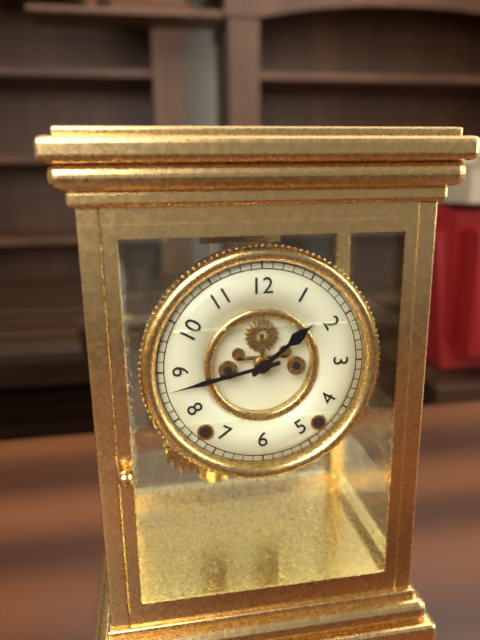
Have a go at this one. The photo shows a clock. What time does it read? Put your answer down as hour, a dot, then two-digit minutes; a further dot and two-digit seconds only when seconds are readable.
1.43
